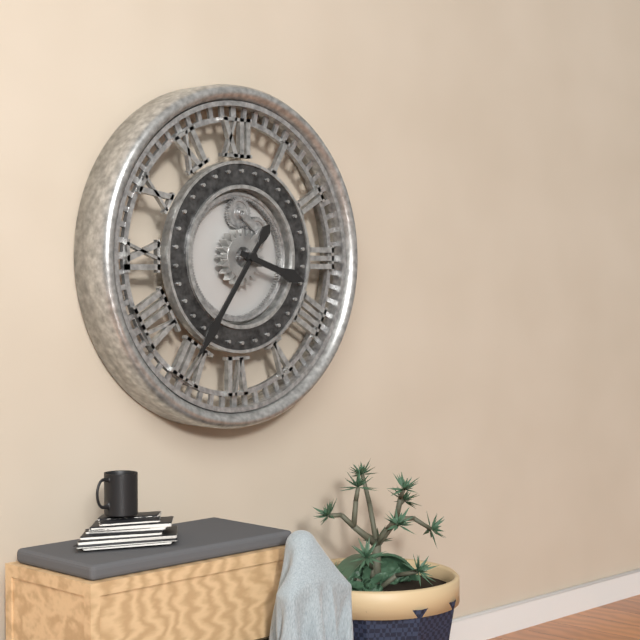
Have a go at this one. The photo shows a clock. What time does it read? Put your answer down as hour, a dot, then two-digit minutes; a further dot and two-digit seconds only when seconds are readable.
3.36
